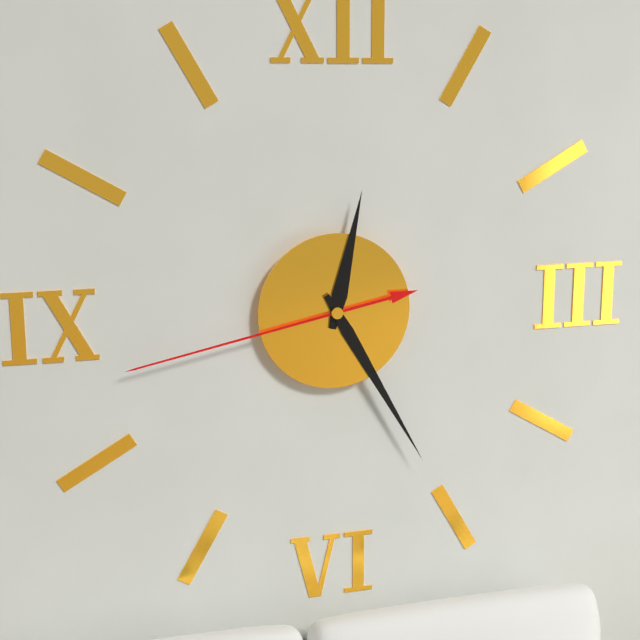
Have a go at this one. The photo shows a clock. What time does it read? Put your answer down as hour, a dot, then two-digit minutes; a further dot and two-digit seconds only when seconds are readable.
12.25.43
